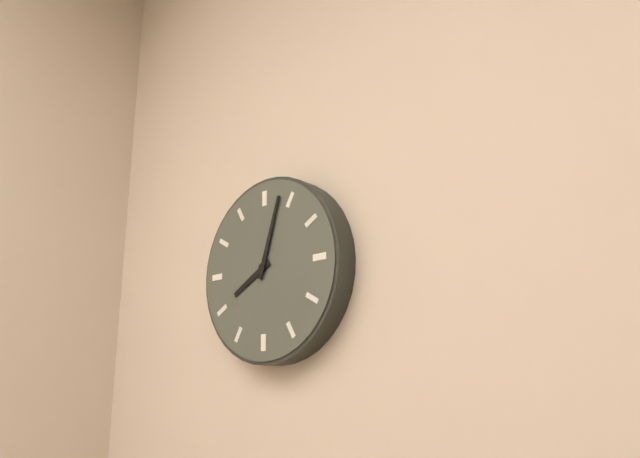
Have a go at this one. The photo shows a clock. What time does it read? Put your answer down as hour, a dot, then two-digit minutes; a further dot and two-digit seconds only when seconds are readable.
8.03
